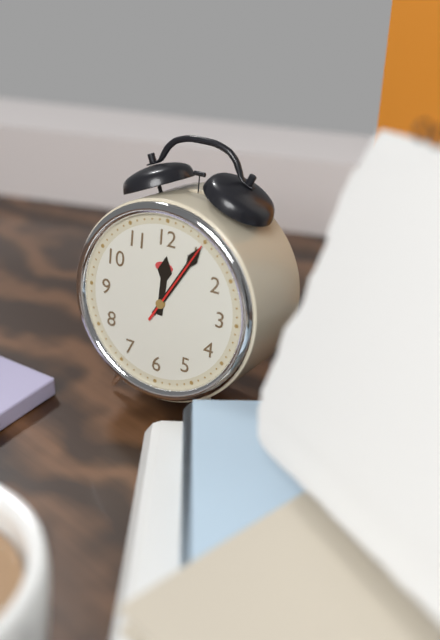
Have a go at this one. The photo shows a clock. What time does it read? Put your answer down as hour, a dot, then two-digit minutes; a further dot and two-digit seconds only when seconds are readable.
12.05.05
